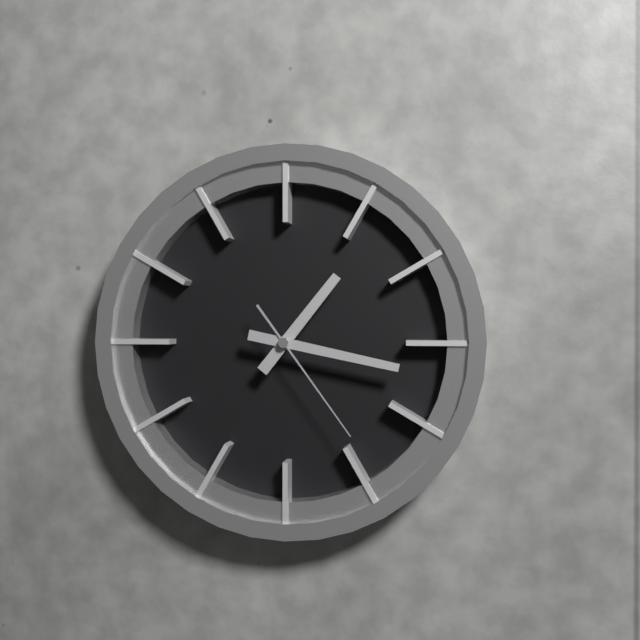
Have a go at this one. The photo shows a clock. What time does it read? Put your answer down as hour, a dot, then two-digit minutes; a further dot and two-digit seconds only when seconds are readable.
1.17.24
